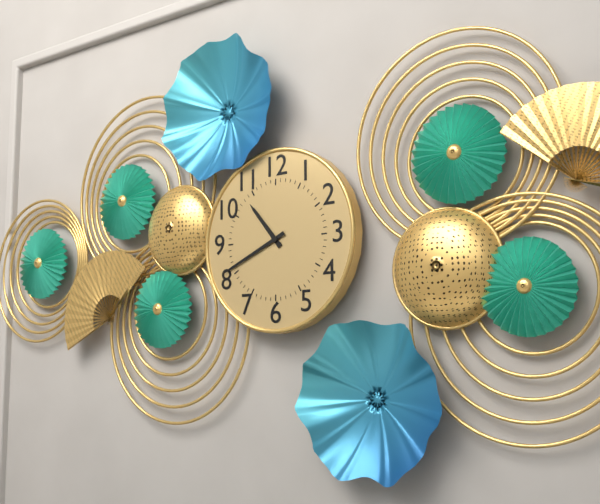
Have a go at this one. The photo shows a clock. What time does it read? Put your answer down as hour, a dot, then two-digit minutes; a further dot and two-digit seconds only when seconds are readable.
10.41
